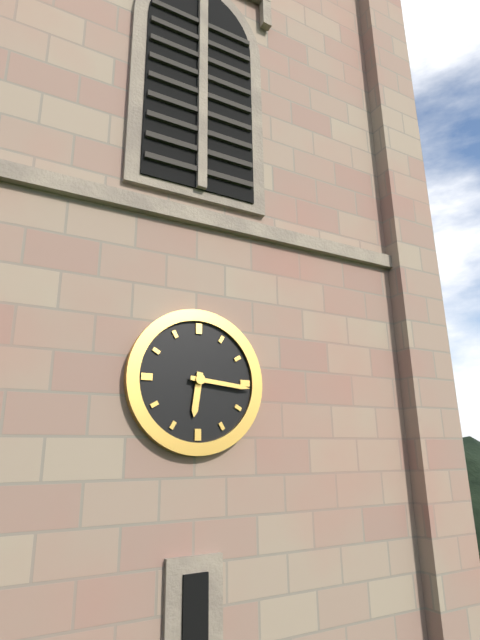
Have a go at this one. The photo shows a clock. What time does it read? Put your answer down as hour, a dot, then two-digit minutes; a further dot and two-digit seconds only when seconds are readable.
6.16
